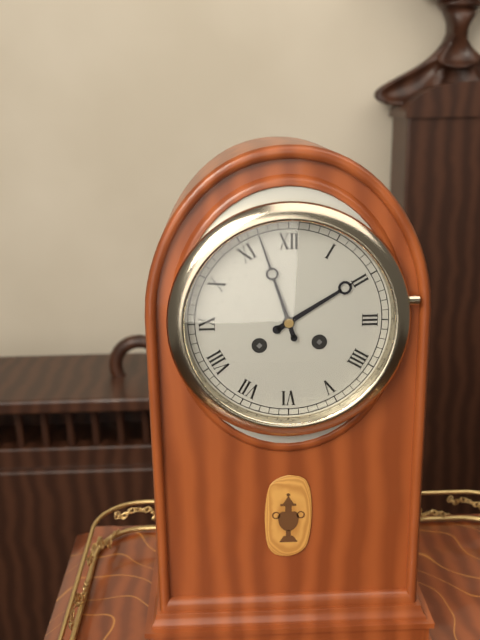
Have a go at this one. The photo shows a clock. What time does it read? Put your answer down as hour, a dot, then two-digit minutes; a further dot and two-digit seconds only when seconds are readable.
1.57
